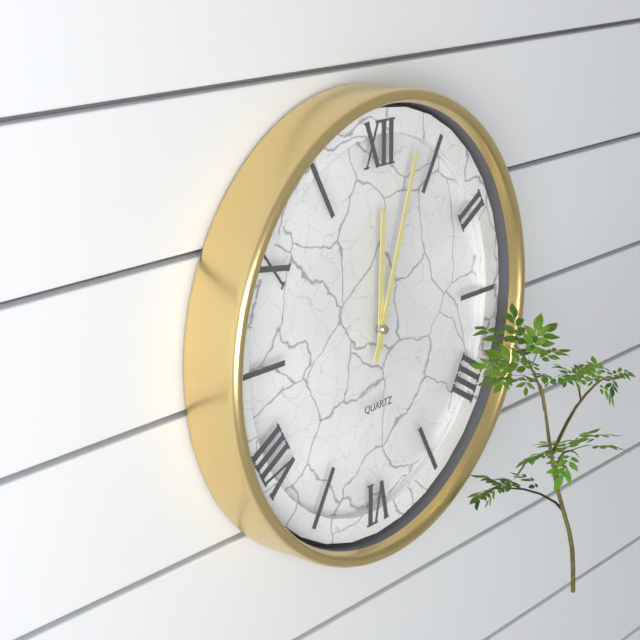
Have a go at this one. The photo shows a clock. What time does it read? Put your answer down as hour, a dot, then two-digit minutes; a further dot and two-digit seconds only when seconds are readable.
12.03
